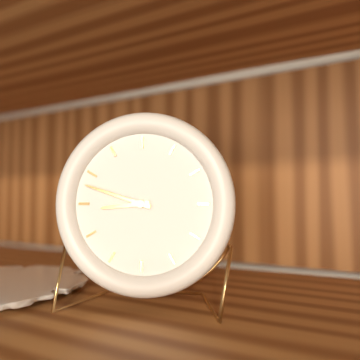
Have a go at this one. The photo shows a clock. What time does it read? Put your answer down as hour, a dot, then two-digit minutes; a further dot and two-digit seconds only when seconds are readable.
8.48
